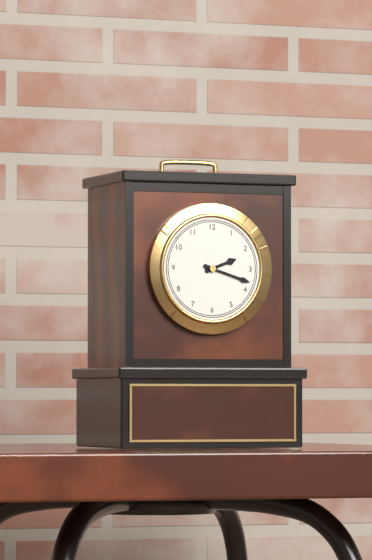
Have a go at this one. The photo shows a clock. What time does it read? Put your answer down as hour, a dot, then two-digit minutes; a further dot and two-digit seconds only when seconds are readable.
2.18
